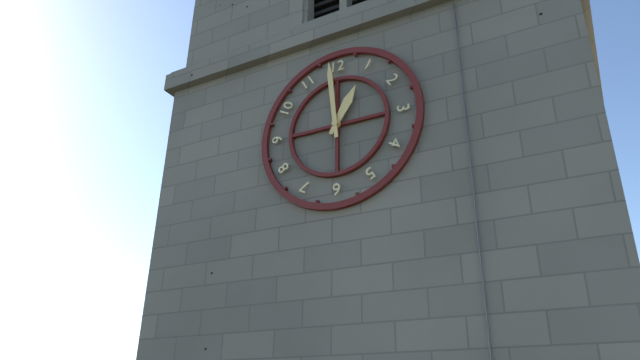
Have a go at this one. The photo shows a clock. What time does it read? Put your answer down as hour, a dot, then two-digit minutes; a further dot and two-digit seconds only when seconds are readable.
12.59
